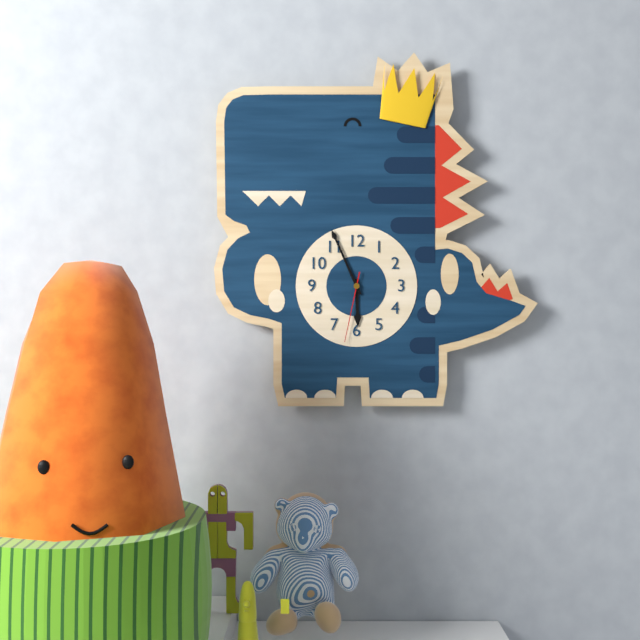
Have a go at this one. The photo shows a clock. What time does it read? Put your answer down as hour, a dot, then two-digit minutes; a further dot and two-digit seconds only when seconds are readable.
5.56.32
